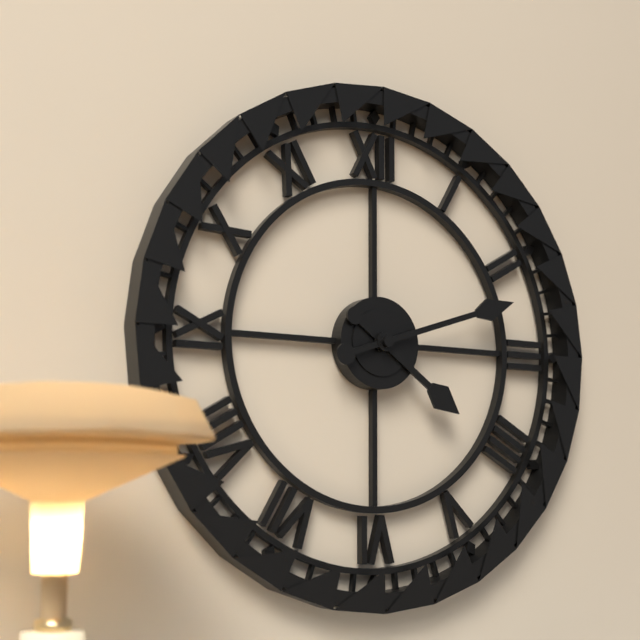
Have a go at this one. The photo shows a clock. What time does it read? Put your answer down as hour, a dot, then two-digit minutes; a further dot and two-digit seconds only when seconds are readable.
4.12
